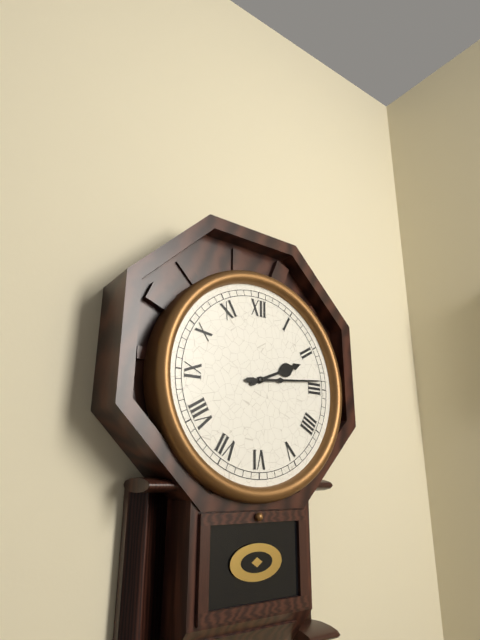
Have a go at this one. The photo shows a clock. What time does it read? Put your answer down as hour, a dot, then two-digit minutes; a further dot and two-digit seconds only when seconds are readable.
2.14
